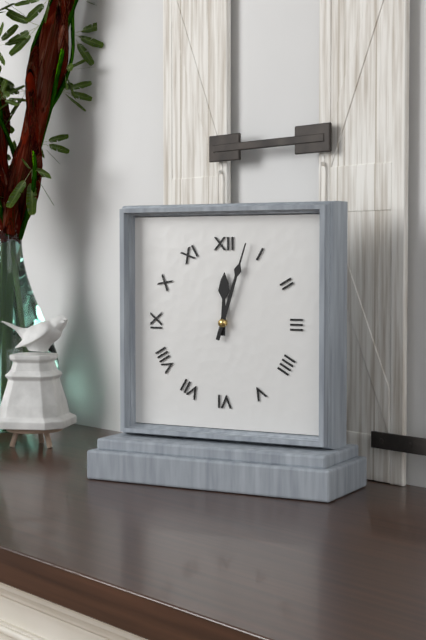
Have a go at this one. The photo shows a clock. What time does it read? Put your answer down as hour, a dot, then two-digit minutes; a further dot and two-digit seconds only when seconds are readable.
12.03
